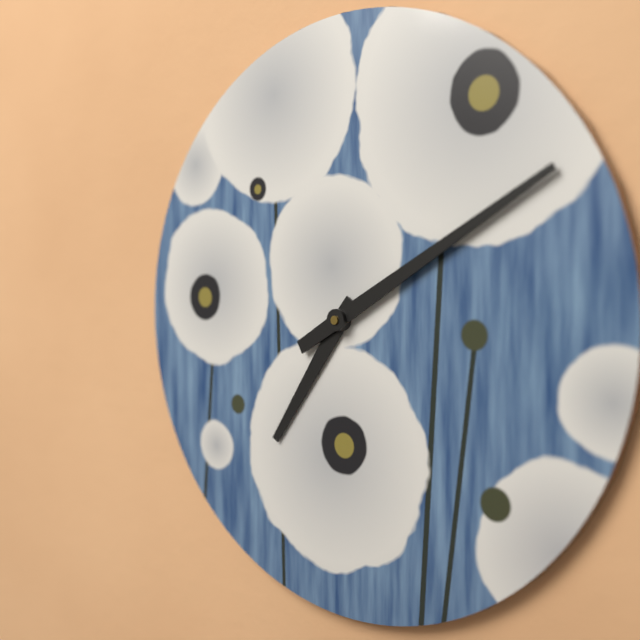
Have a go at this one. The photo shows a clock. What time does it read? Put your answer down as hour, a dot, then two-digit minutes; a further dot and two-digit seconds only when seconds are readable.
7.10
